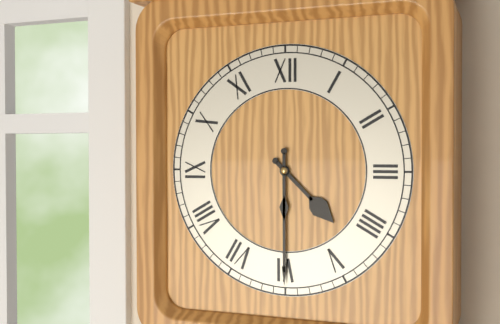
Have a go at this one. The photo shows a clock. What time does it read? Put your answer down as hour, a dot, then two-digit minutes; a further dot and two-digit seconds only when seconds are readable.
4.30
